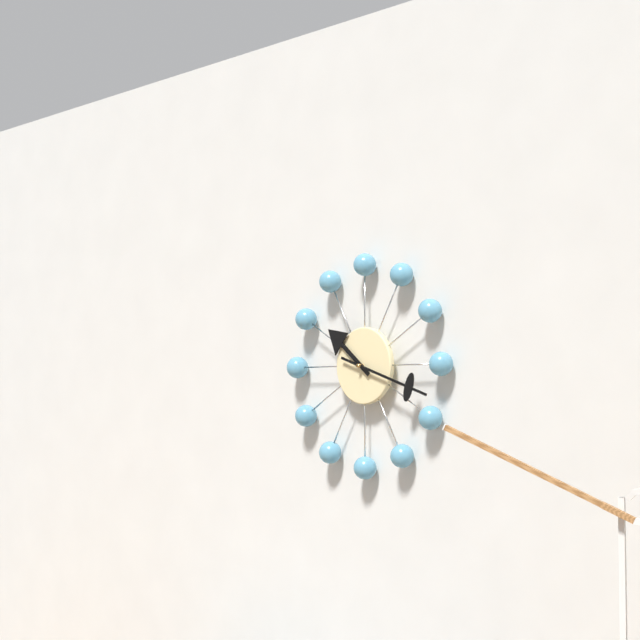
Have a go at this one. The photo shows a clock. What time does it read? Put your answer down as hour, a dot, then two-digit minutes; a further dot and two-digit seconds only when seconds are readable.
10.18
